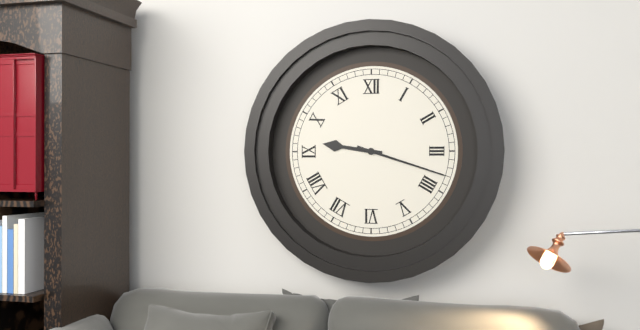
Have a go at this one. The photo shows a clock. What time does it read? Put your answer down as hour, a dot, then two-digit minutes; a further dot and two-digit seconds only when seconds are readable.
9.18
